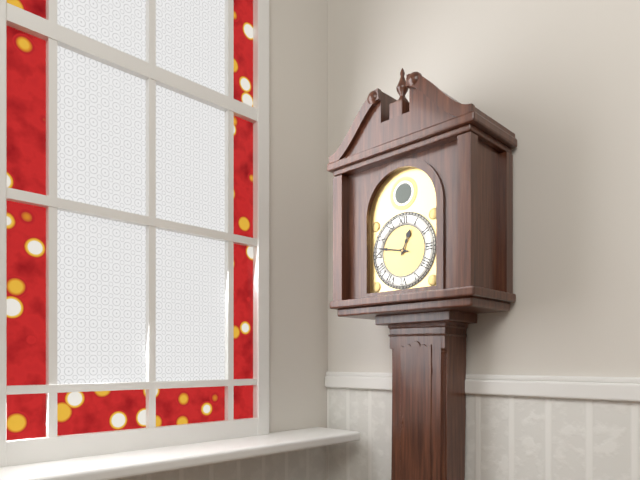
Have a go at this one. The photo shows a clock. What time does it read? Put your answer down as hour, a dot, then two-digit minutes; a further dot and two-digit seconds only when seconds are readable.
12.47
